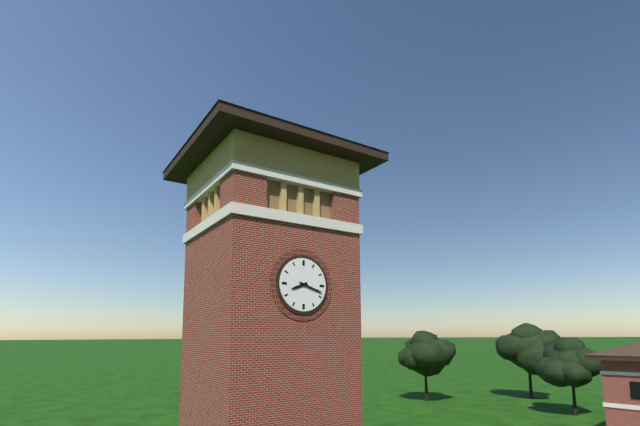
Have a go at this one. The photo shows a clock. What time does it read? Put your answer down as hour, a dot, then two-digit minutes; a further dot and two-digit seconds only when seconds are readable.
8.18
